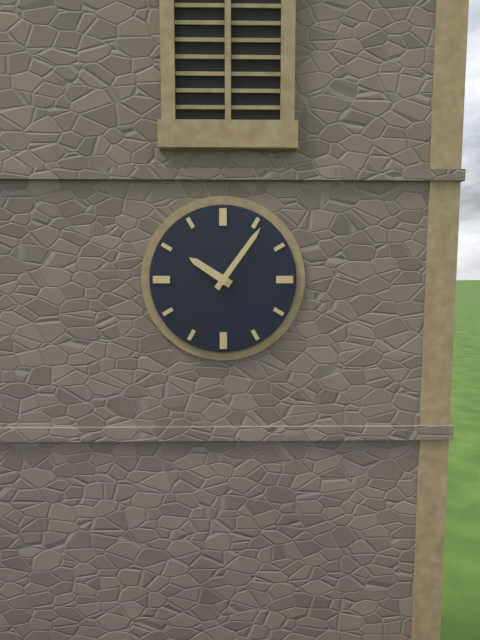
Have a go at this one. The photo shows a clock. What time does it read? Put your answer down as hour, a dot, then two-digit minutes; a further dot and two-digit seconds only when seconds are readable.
10.06
